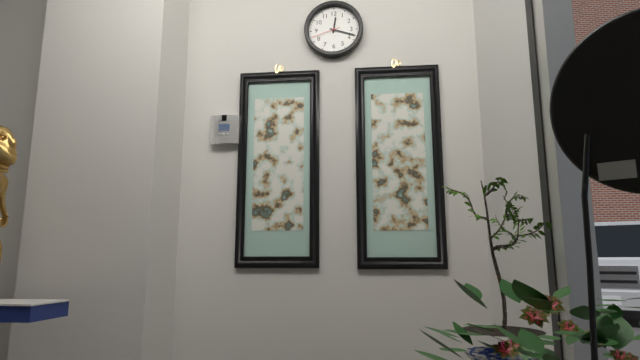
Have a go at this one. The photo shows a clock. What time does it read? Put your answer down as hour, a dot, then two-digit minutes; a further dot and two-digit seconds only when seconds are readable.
12.18
